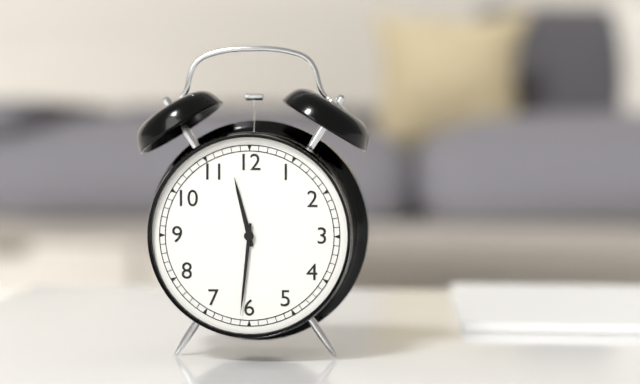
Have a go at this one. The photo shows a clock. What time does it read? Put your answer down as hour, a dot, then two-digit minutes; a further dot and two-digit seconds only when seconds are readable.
11.31
